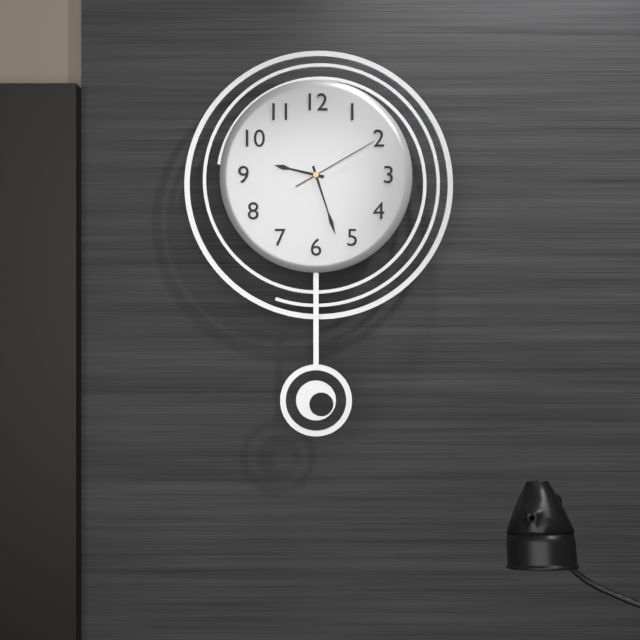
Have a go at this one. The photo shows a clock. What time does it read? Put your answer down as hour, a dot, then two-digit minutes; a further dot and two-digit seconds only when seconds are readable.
9.27.10
